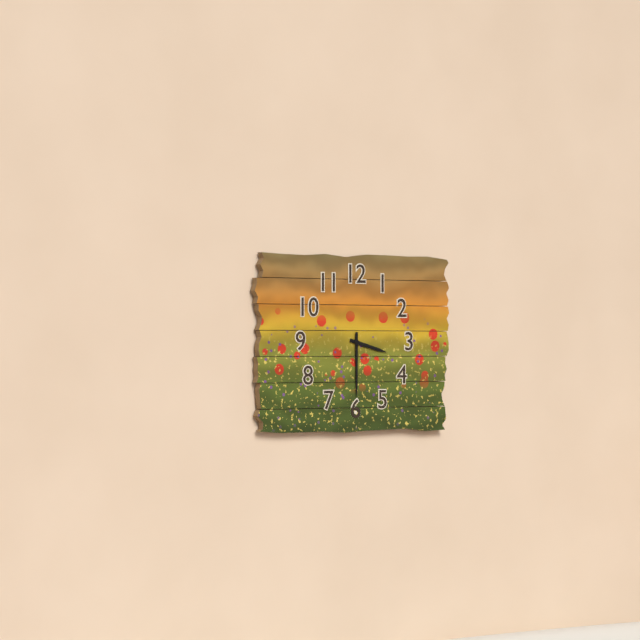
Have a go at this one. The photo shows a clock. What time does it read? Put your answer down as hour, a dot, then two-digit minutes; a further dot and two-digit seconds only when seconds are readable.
3.30
